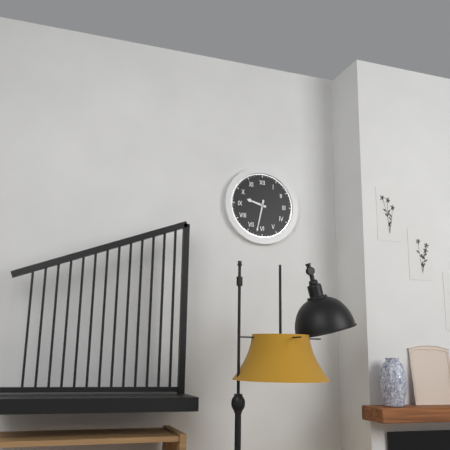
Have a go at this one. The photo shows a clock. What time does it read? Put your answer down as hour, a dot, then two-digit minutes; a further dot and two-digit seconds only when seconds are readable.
9.32
